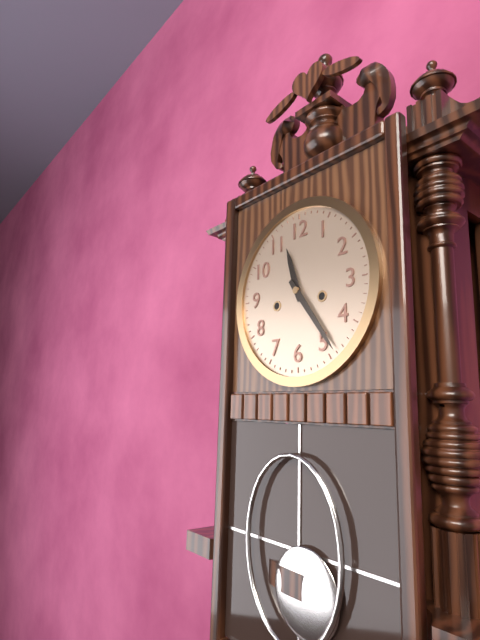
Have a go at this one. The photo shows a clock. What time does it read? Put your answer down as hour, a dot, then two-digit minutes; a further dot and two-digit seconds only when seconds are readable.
11.24
